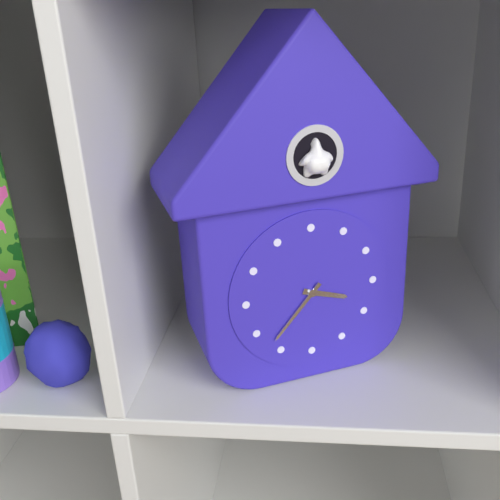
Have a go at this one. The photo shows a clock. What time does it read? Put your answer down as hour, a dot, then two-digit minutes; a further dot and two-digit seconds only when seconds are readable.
3.37
